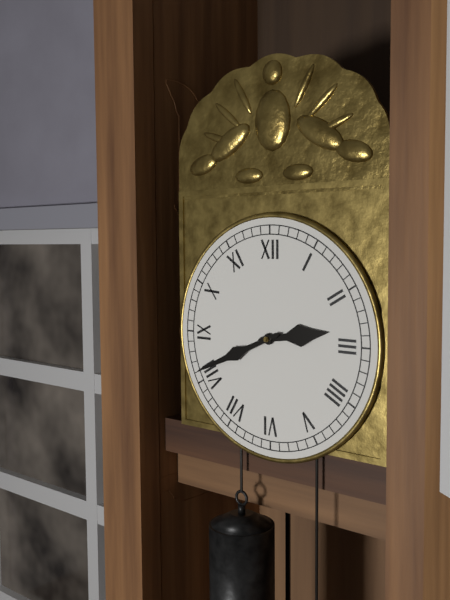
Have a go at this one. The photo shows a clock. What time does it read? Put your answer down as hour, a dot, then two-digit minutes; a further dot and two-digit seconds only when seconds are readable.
2.41
